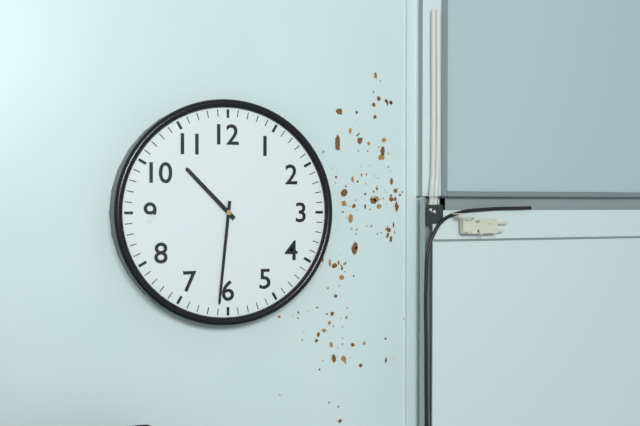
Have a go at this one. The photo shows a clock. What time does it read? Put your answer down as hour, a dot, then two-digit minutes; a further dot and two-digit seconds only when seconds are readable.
10.31
